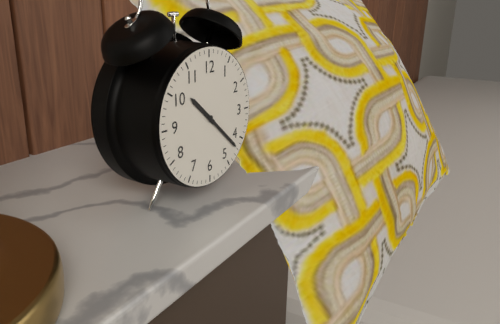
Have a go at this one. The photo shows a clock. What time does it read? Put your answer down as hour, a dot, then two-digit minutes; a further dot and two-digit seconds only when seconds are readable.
10.22
